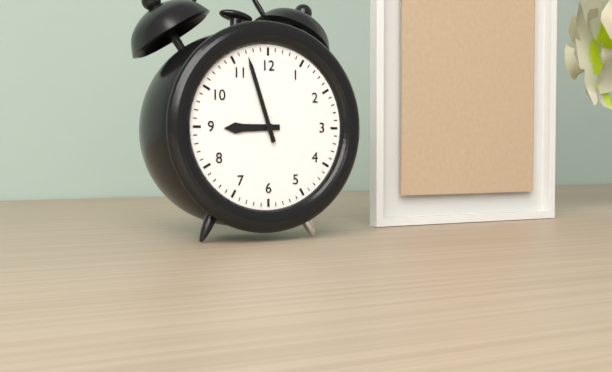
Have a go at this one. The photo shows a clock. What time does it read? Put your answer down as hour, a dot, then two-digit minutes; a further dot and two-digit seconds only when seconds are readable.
8.57
